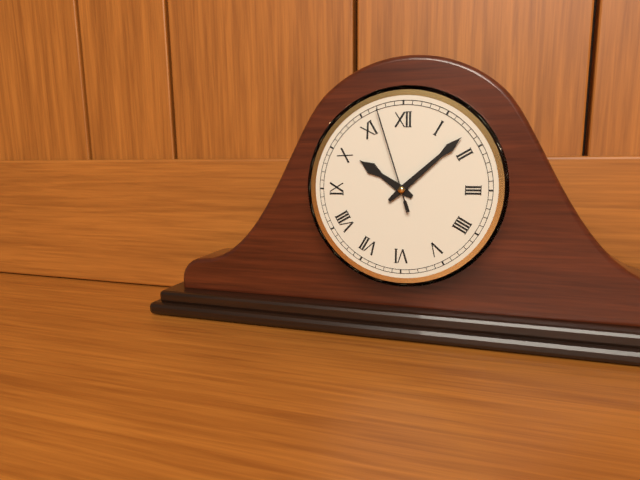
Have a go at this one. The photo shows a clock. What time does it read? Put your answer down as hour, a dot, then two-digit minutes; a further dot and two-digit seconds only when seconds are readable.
10.08.57
